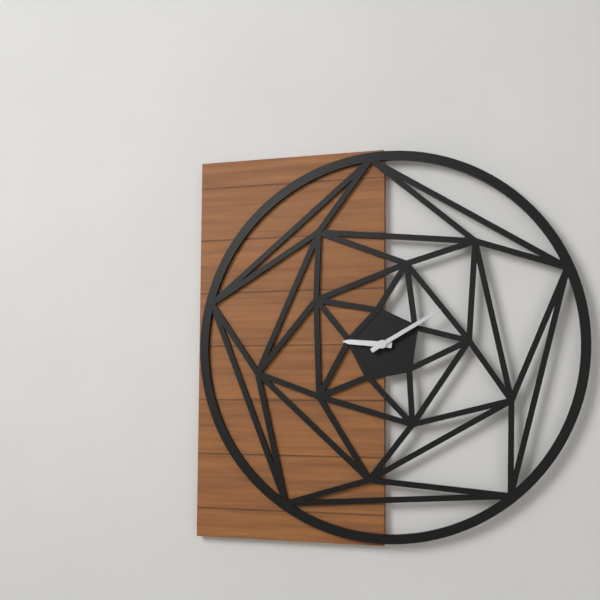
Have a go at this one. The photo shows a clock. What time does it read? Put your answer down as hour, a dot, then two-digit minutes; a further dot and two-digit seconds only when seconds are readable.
9.10
